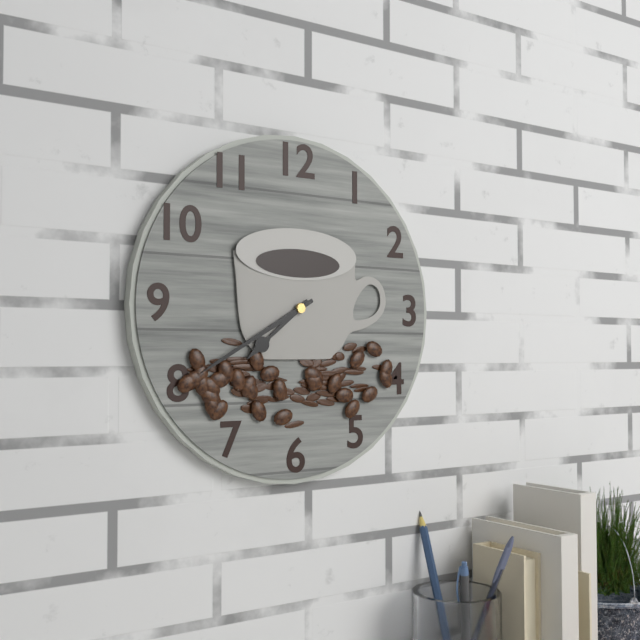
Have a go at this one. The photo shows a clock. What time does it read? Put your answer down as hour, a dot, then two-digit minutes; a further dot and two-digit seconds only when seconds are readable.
7.40
